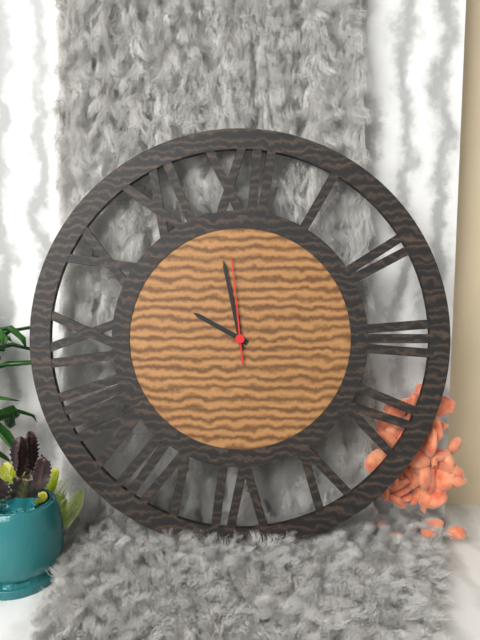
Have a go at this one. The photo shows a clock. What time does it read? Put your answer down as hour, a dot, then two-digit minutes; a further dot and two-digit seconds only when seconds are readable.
9.58.59
